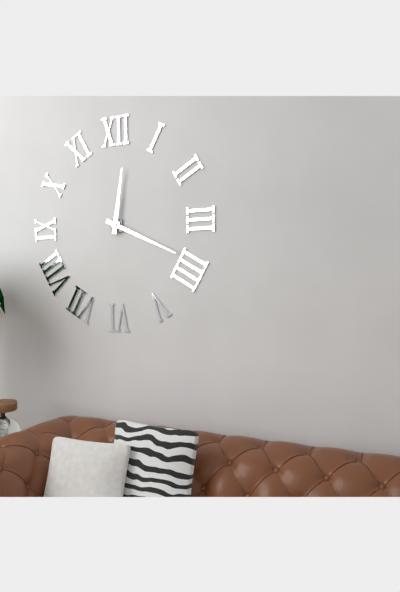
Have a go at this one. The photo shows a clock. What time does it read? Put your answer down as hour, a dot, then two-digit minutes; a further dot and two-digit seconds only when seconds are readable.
12.19
